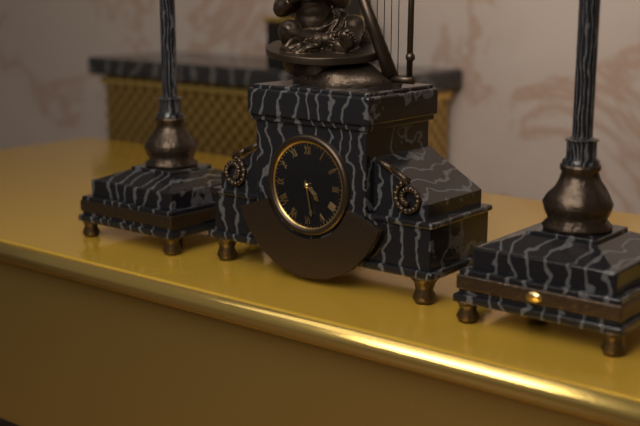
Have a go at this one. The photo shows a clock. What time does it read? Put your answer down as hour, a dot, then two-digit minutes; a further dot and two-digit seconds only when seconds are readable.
4.28
